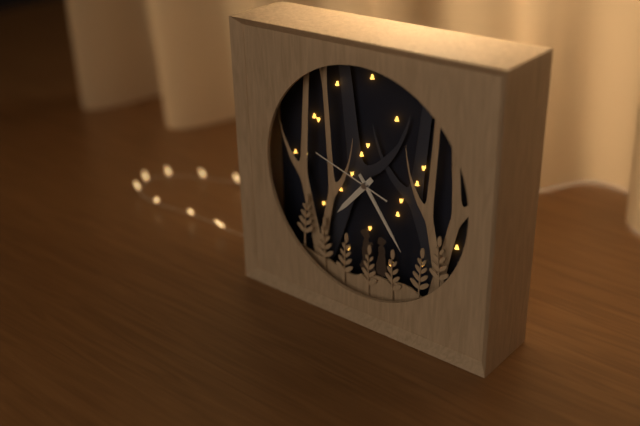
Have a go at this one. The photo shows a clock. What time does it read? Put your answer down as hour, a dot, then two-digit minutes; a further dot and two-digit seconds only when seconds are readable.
7.24.48
